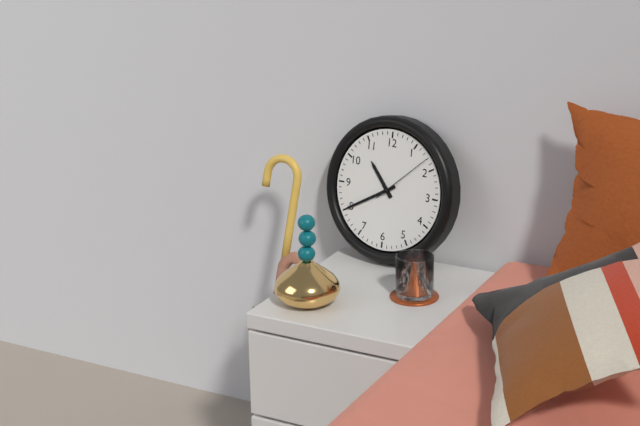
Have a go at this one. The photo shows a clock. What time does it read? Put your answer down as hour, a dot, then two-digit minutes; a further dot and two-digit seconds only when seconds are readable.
10.40.08
